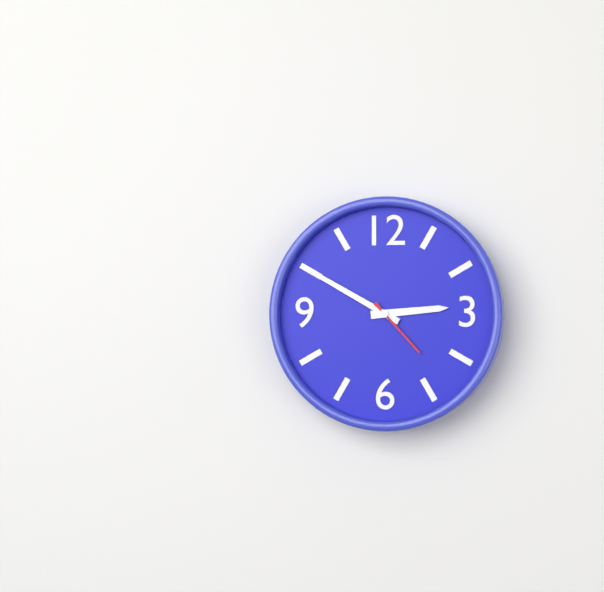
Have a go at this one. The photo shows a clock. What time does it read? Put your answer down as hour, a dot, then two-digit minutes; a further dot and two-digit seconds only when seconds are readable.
2.50.23
